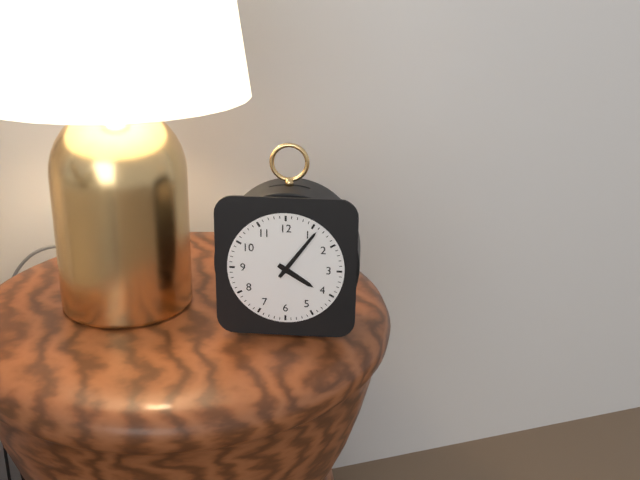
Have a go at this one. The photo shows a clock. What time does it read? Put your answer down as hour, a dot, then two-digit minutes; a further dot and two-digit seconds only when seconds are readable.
4.06
